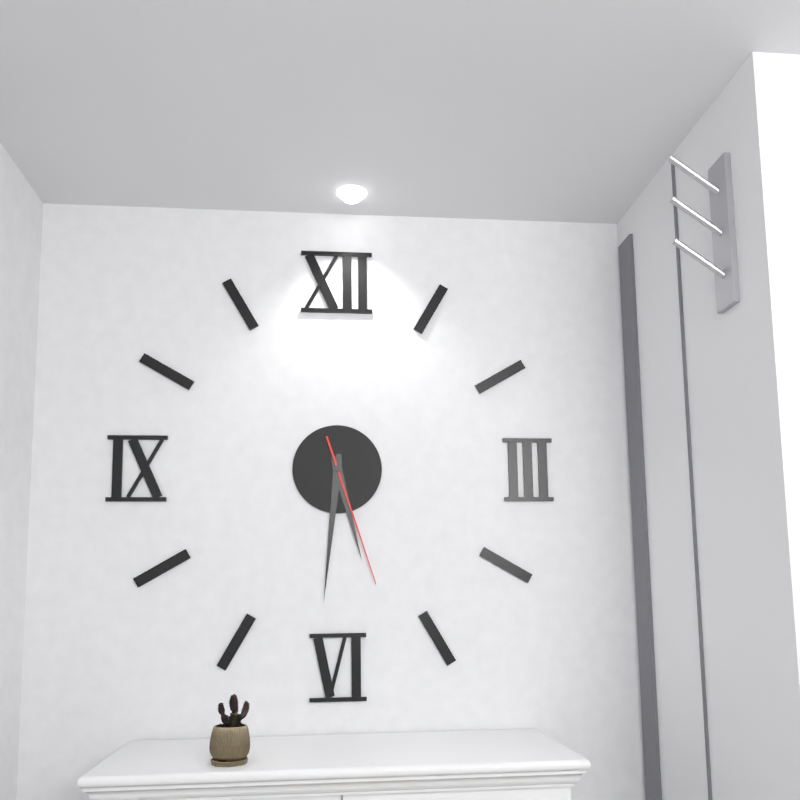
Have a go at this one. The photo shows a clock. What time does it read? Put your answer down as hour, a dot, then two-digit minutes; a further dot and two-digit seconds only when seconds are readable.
5.31.27
